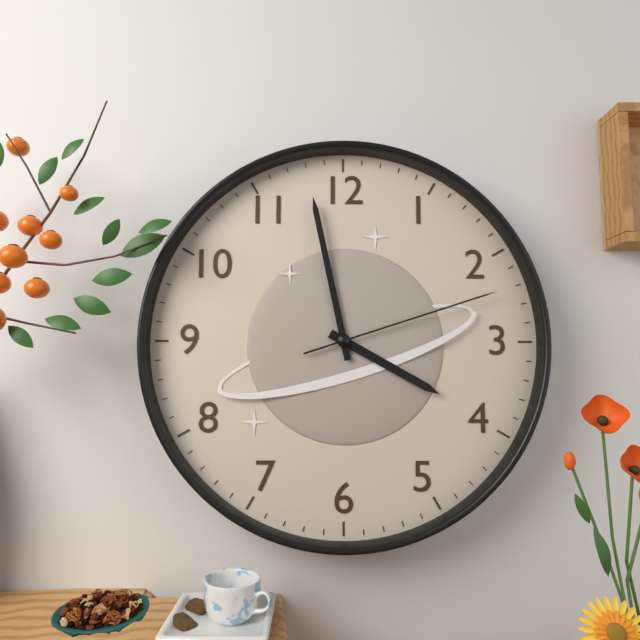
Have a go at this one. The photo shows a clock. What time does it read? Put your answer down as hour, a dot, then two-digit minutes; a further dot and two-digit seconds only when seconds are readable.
3.58.12
